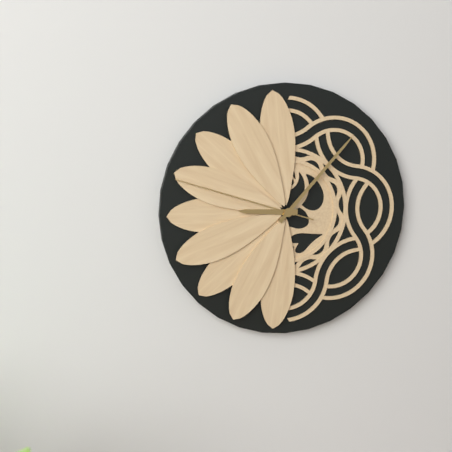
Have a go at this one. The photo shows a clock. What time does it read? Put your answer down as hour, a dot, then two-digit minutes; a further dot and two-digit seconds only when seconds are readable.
9.07.48
